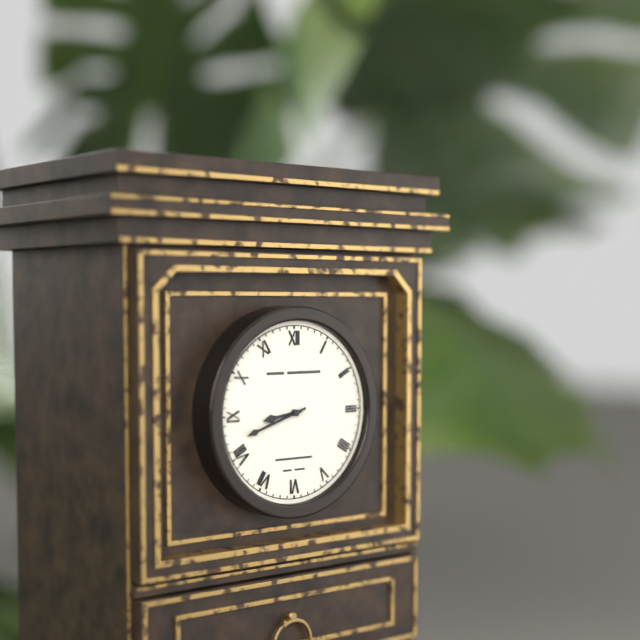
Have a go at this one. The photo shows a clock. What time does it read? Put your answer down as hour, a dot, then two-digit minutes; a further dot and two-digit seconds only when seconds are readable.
8.42
